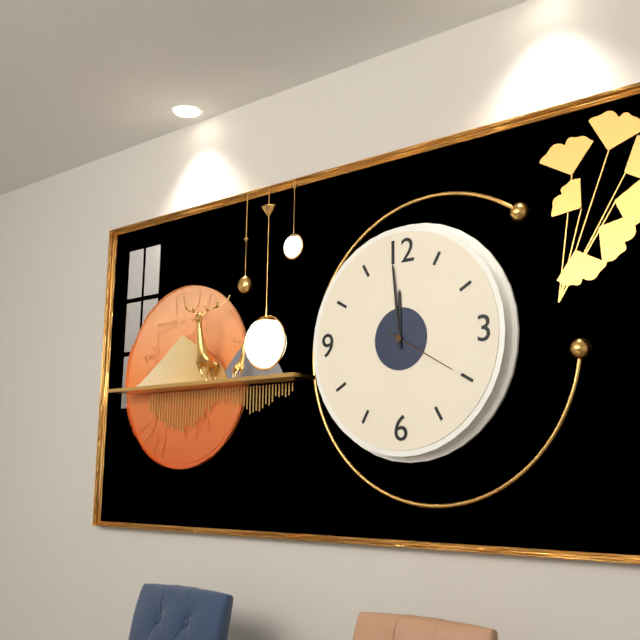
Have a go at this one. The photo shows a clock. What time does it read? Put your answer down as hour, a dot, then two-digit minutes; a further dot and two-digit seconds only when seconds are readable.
11.59.20
